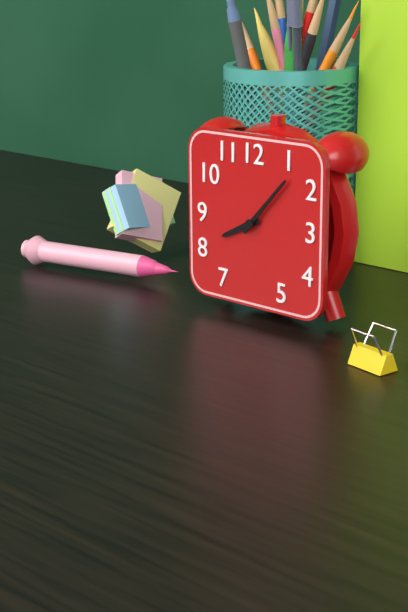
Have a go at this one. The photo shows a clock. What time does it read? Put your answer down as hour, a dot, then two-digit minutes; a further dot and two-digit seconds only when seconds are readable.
8.07
